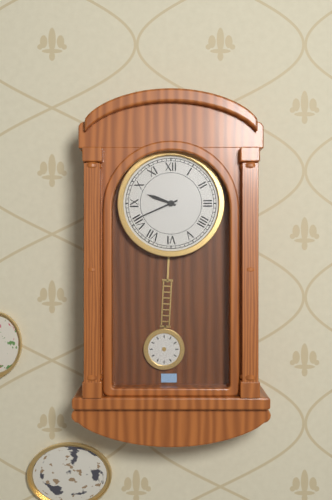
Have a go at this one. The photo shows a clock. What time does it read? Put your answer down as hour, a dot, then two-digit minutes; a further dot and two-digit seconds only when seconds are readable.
9.41
